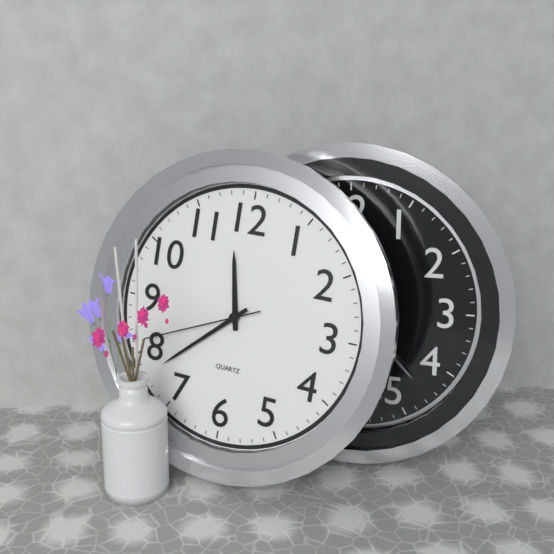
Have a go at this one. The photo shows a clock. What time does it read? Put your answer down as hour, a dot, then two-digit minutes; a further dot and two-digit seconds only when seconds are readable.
11.38.41
